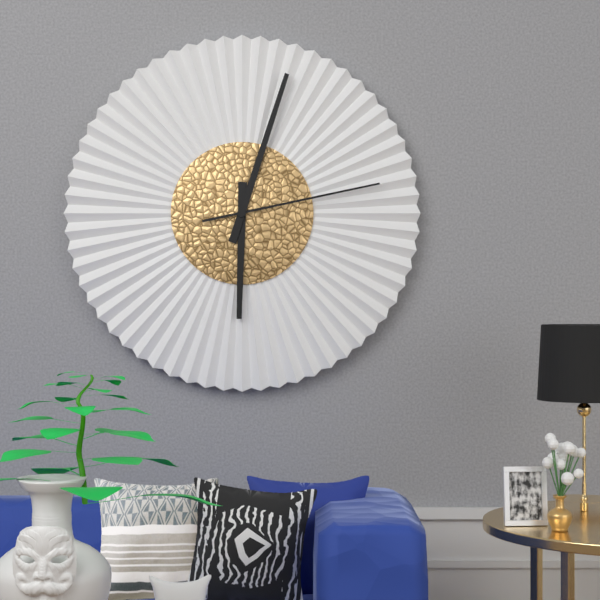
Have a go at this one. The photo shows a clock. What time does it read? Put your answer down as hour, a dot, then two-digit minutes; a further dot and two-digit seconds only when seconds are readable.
6.03.13
